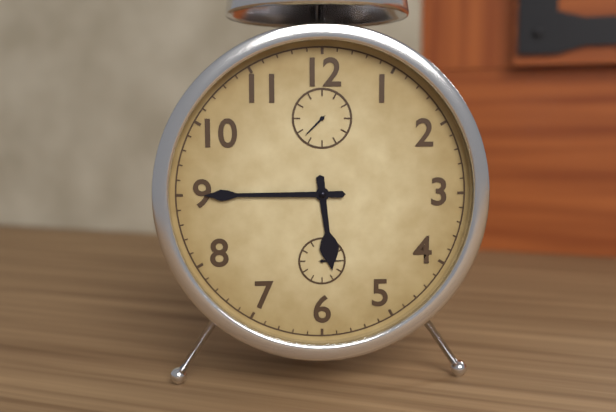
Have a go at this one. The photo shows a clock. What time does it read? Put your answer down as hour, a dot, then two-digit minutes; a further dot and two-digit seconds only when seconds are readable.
5.45
